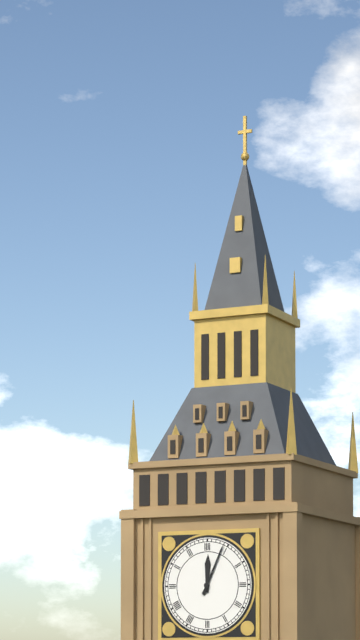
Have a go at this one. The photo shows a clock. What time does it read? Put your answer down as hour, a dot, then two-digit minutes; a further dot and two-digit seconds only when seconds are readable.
12.04
